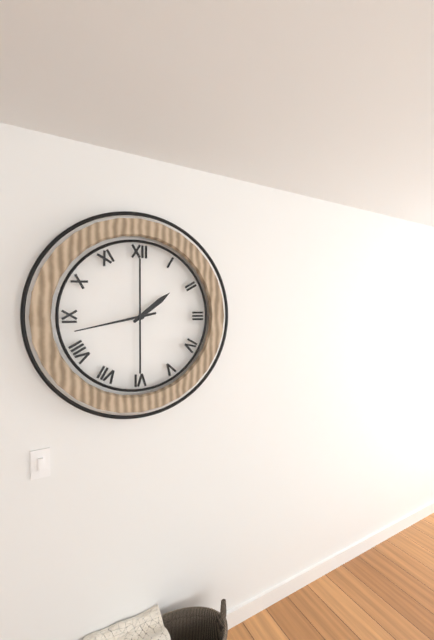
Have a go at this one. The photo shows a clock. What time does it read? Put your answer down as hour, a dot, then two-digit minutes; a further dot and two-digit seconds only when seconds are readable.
1.43
